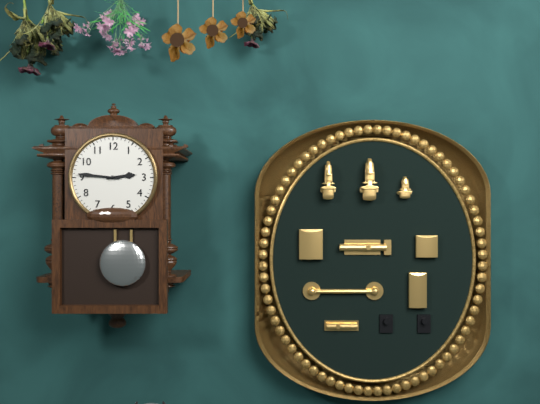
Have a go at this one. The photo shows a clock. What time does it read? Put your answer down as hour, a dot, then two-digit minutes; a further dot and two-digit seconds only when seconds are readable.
2.46
